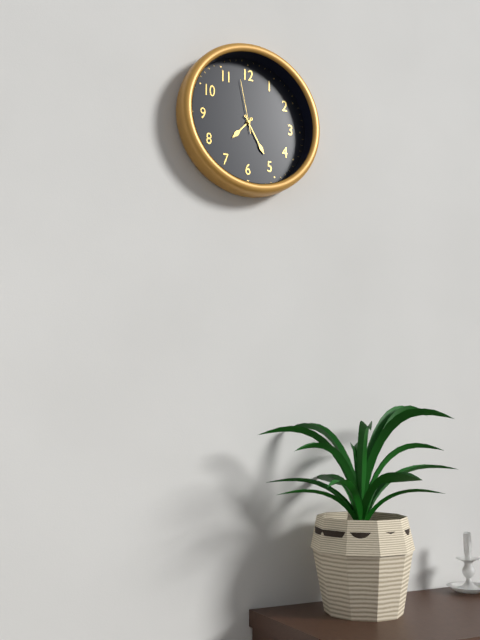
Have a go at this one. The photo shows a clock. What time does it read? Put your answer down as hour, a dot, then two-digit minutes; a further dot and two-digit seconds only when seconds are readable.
7.25.58
